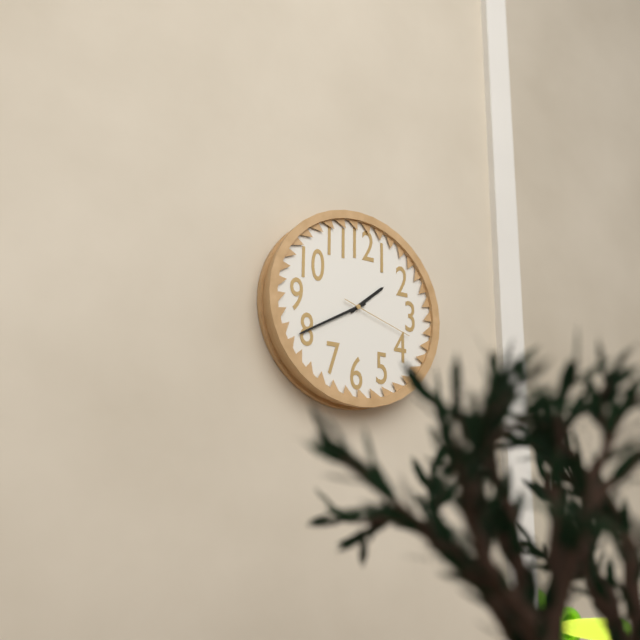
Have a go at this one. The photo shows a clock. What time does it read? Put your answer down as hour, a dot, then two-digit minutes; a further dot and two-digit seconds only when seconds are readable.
1.40.18
